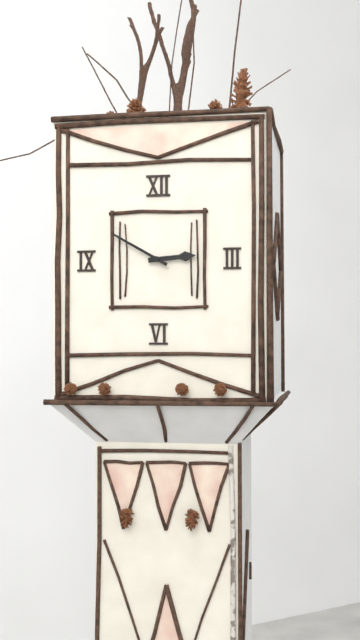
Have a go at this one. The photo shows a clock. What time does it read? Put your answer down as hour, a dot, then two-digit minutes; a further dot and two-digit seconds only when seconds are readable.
2.50
